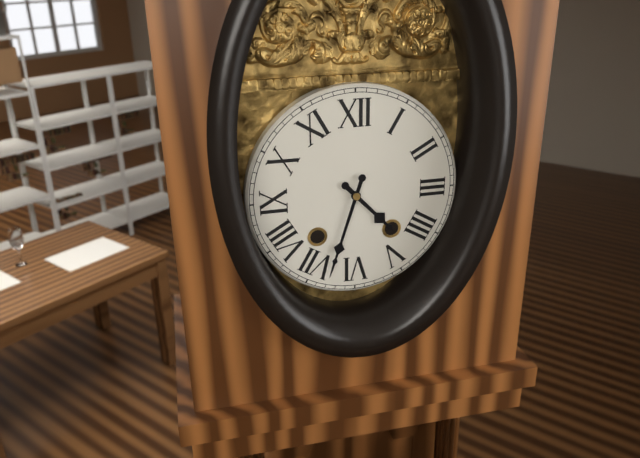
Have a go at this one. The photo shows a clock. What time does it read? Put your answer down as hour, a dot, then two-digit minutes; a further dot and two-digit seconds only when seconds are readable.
4.33
